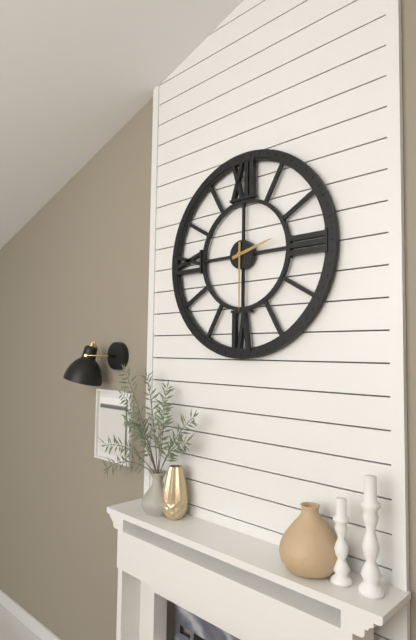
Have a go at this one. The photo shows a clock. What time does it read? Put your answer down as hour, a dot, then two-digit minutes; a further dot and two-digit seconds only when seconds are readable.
2.30
